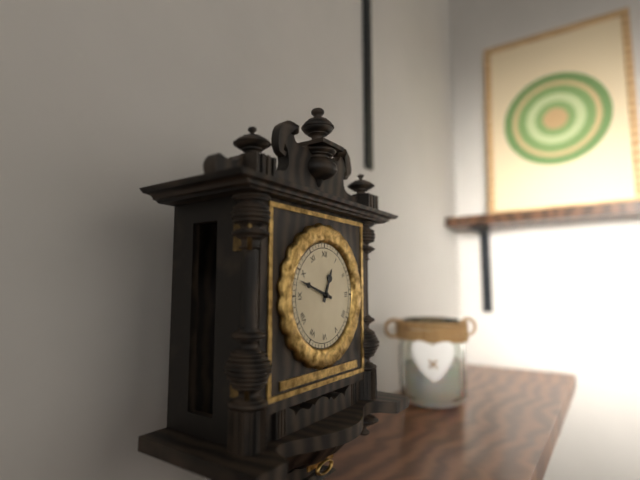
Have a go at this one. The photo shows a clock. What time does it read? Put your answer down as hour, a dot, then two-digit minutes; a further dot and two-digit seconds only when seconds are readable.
12.48
